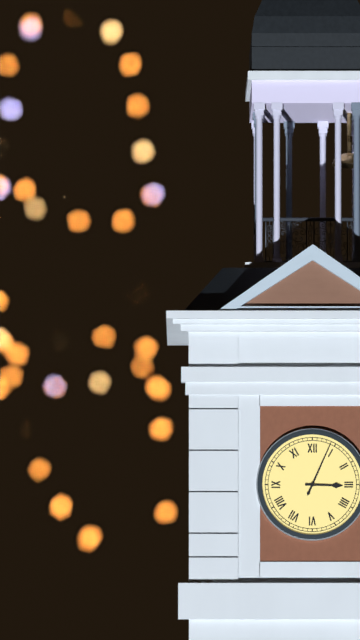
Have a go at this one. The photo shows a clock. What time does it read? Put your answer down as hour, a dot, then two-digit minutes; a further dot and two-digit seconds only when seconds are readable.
3.04
